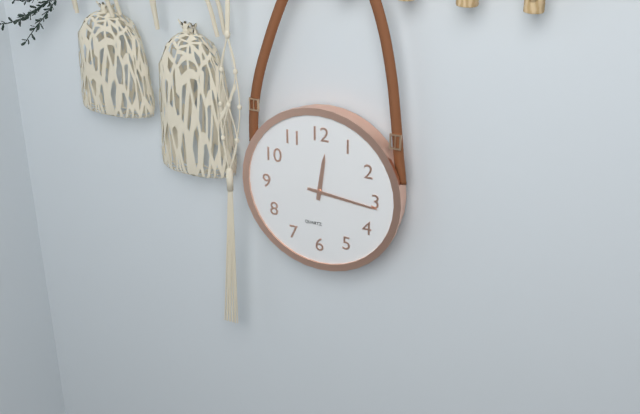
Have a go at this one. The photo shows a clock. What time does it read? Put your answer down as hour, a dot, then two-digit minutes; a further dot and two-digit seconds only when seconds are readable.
12.16
